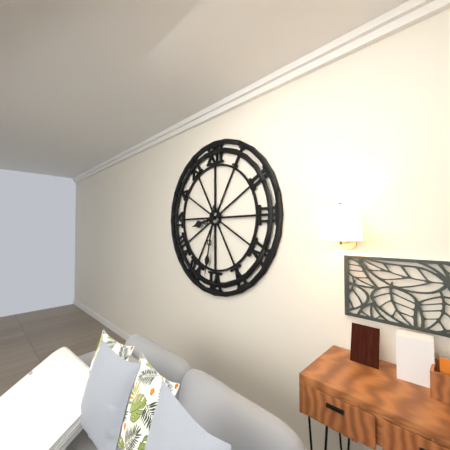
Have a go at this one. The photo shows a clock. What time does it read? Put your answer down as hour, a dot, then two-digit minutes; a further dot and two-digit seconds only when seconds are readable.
8.32
